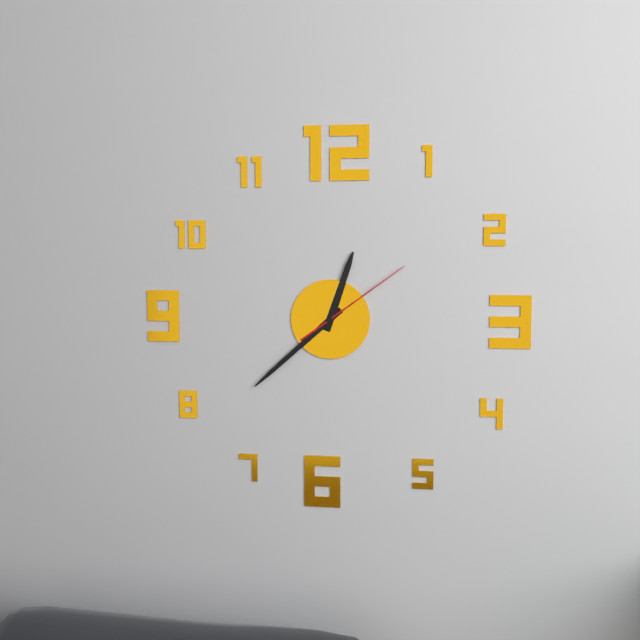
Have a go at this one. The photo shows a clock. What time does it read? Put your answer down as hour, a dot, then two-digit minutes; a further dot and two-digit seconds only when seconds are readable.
12.38.09
